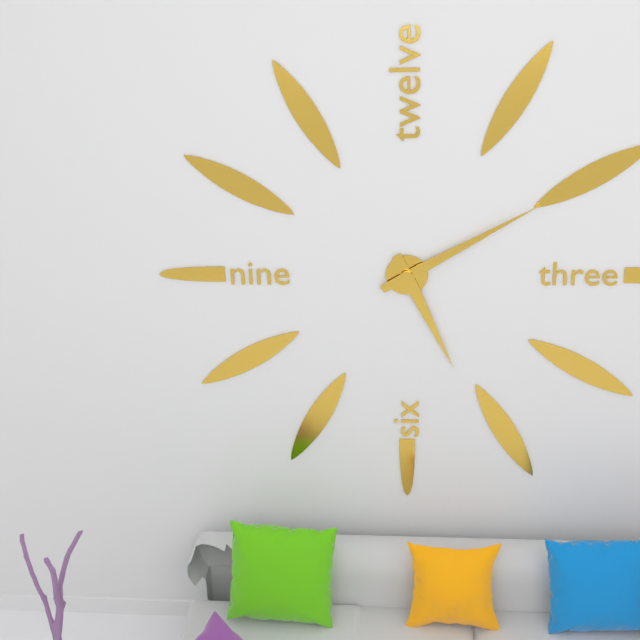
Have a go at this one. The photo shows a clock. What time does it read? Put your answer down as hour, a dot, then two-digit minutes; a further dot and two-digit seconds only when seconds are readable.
5.10
